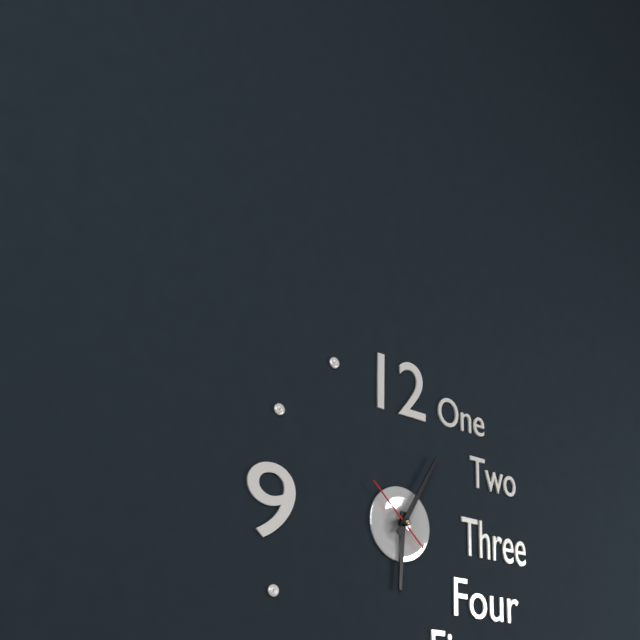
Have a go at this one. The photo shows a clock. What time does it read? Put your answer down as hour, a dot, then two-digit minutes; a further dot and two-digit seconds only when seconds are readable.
6.05.52
